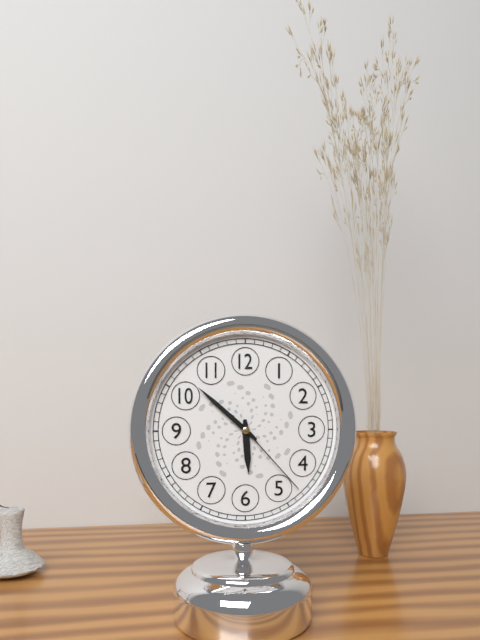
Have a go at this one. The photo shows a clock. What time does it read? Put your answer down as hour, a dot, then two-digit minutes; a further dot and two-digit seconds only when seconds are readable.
5.52.23
